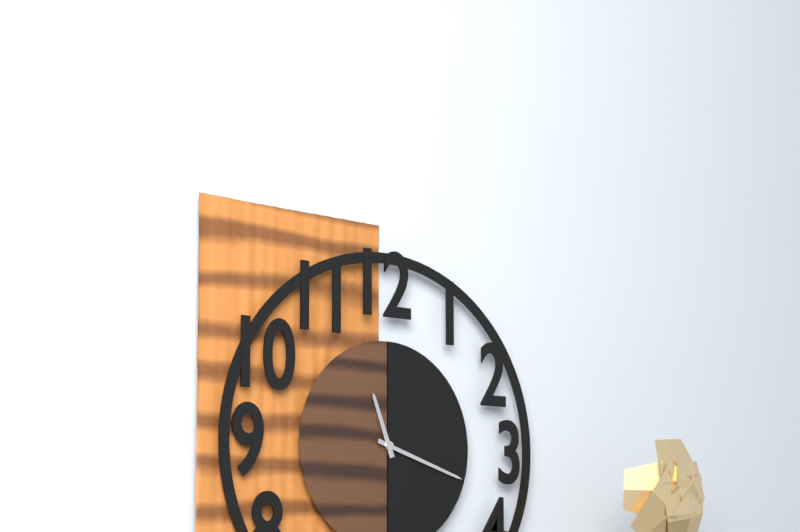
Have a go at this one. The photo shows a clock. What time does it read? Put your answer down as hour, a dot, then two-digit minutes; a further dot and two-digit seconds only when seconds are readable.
11.18
